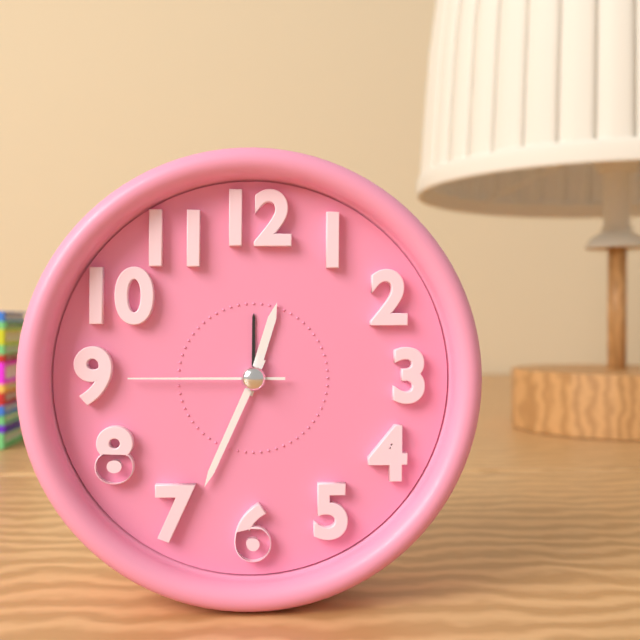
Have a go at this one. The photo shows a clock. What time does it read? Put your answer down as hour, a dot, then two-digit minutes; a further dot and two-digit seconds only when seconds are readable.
12.34.45
